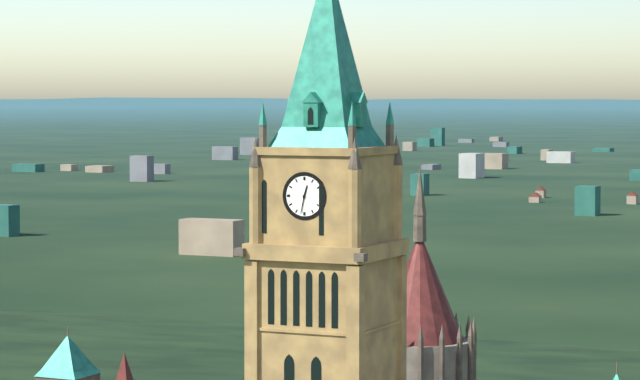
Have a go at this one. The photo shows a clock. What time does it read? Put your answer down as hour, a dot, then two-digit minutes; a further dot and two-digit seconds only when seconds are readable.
12.32
